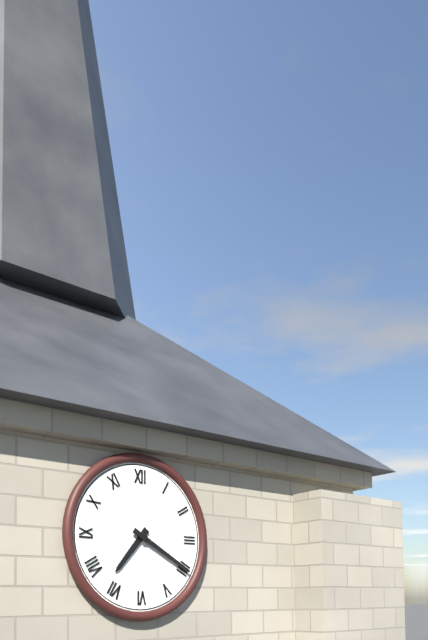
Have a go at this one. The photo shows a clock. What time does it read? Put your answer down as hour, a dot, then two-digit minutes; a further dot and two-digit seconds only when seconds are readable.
7.20
